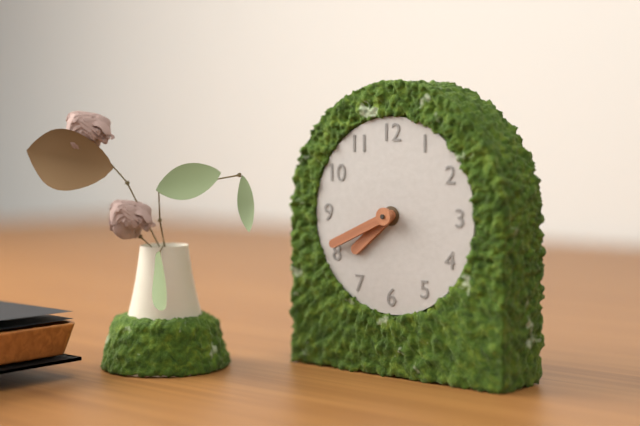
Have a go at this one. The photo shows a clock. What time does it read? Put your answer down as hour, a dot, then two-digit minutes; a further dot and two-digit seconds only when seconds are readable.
7.41
